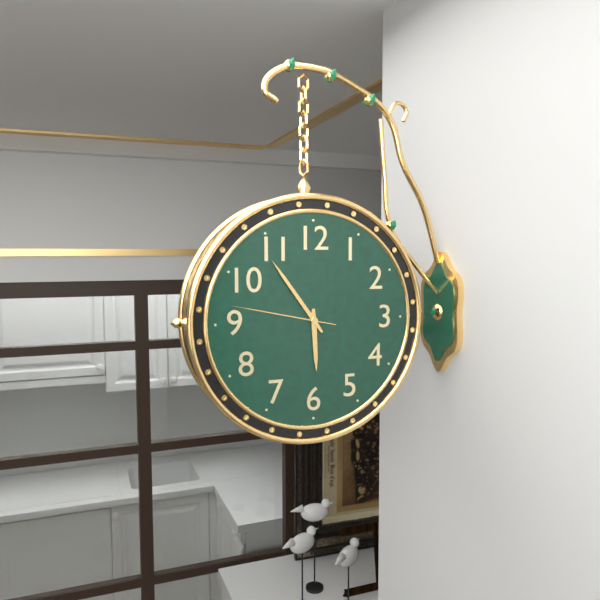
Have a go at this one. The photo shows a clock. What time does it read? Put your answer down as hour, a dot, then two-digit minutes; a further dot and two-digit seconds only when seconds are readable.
5.54.47
